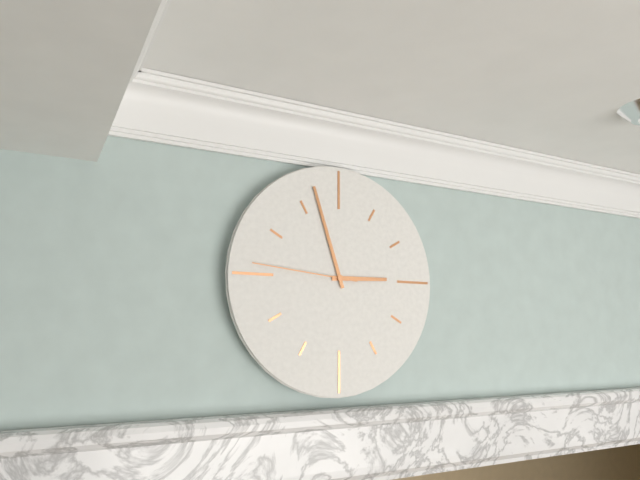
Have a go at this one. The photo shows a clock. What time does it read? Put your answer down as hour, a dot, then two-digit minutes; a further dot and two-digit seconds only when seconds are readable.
2.57.46
